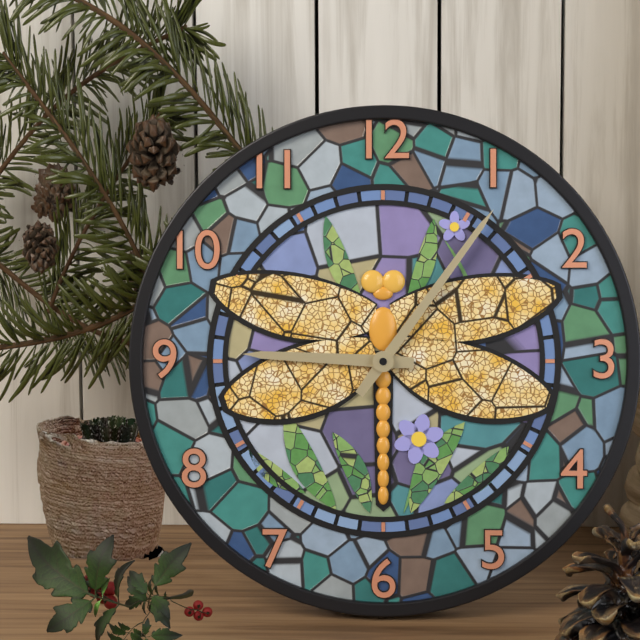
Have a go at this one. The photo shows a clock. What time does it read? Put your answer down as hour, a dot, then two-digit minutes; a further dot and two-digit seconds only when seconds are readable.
9.06
